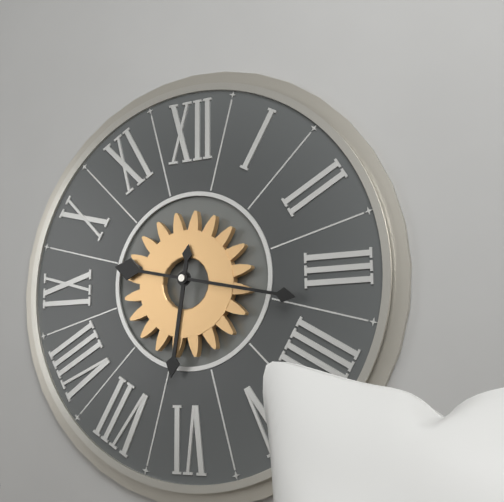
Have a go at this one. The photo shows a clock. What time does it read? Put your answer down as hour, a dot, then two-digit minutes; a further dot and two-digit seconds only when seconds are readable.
6.17
